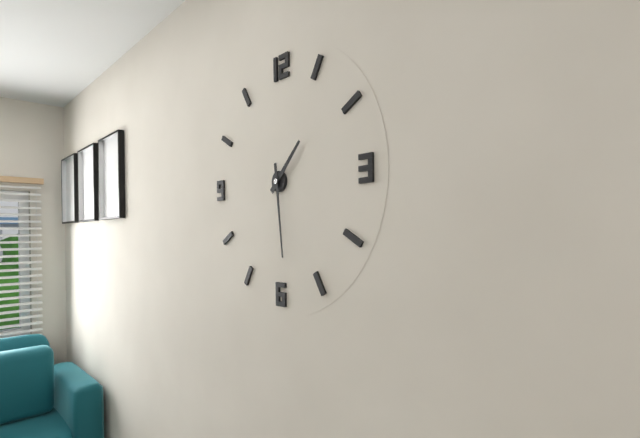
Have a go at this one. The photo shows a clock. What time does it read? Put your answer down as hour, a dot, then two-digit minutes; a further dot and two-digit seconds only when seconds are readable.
1.29
